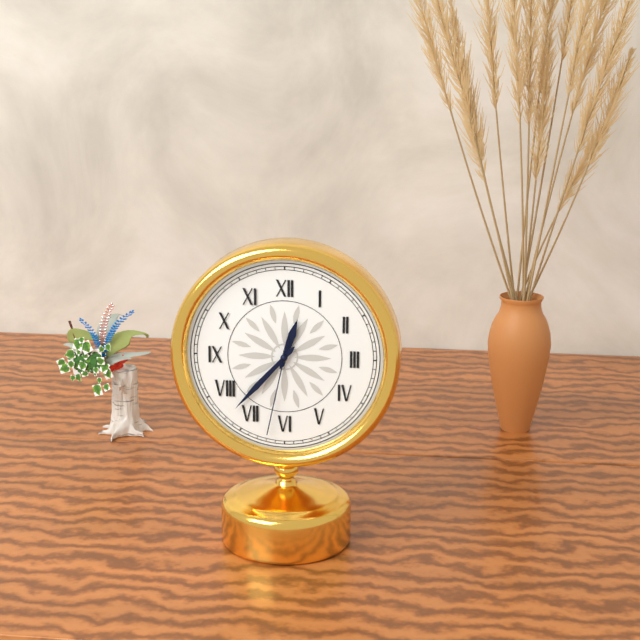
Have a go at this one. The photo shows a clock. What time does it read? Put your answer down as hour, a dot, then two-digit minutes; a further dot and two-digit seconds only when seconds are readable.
12.37.32
